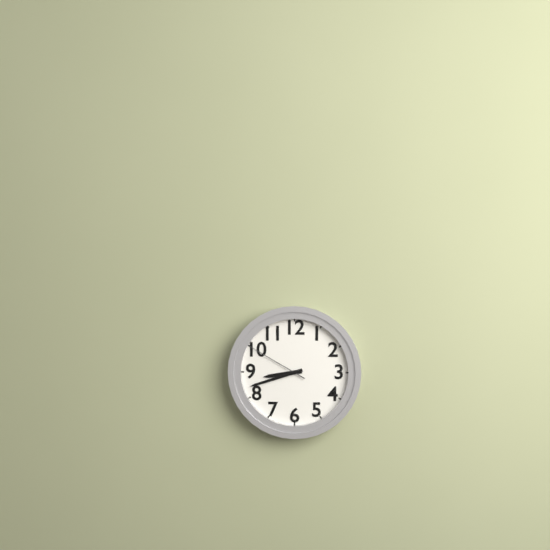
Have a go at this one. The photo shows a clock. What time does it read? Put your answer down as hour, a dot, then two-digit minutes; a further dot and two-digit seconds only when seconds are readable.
8.42.50
